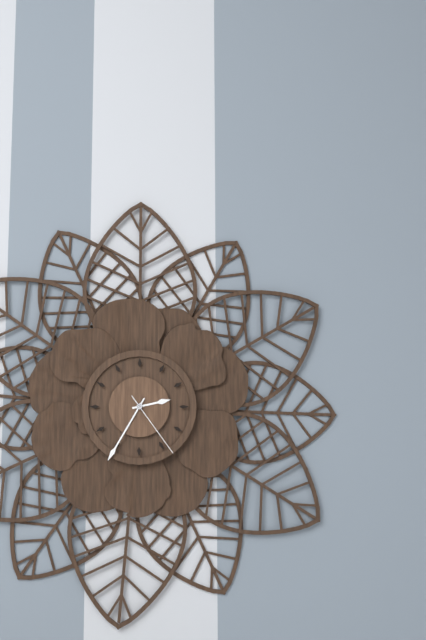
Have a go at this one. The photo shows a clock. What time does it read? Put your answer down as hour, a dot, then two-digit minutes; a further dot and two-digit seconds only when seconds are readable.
2.35.24
